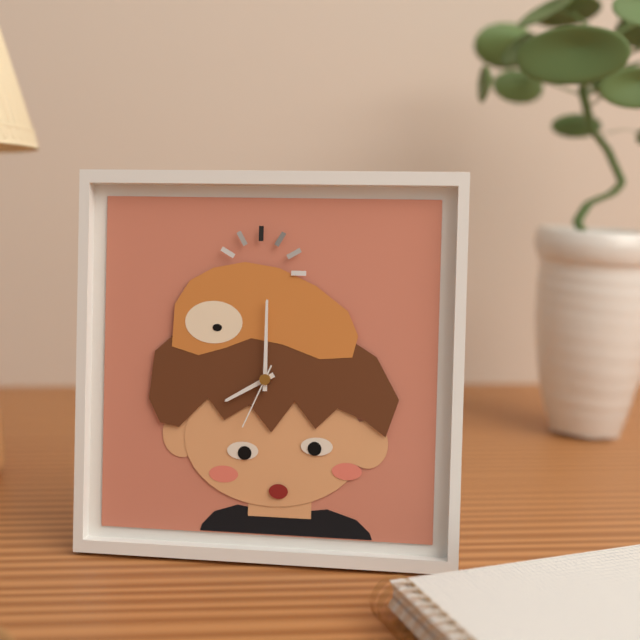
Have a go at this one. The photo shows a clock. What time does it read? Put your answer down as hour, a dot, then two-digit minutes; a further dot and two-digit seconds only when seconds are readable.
8.00.34
